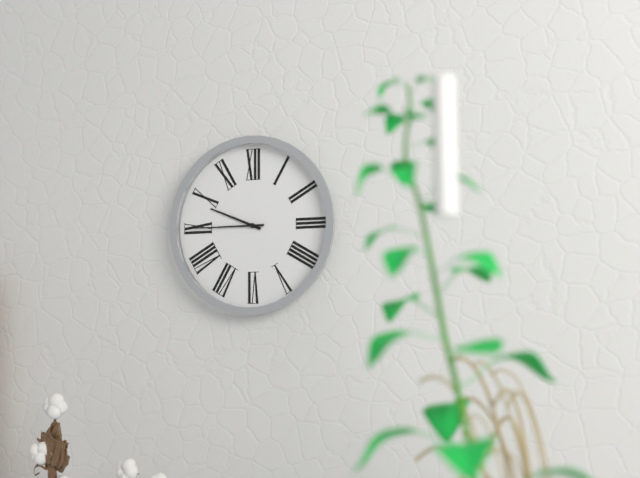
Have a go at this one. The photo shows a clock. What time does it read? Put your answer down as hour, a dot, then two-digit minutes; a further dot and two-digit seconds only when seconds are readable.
9.45
